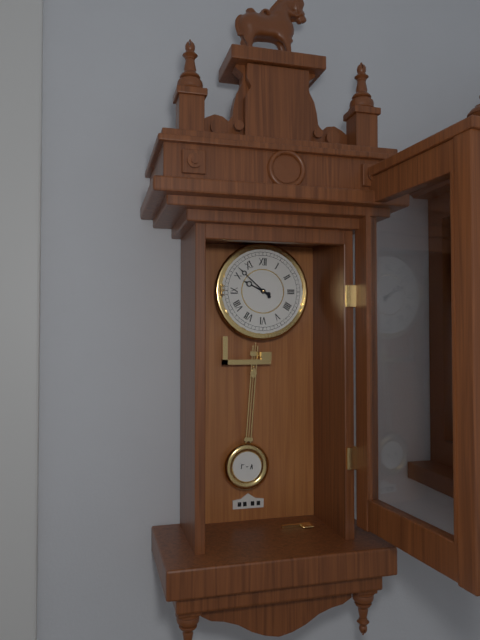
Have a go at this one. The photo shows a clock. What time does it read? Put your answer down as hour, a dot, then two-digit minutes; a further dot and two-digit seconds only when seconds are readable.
9.52
